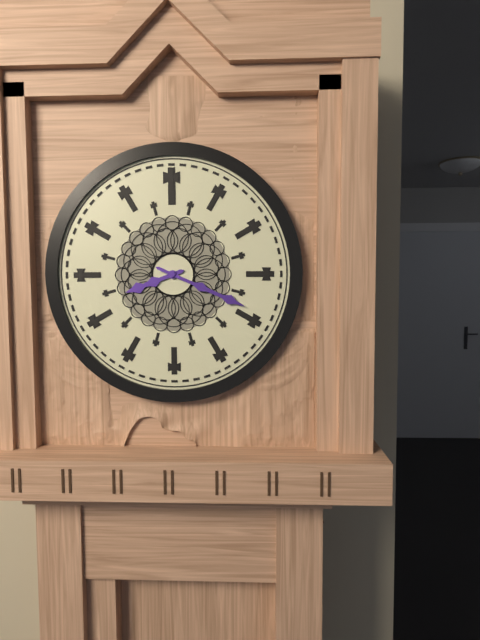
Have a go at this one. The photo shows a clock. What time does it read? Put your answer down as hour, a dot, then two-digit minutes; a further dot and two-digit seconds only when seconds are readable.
8.19
